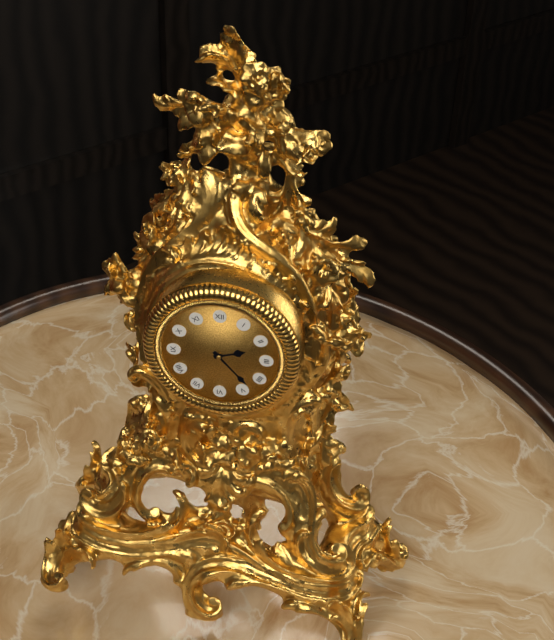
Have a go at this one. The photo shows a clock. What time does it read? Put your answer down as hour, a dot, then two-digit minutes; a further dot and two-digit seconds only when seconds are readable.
2.23
